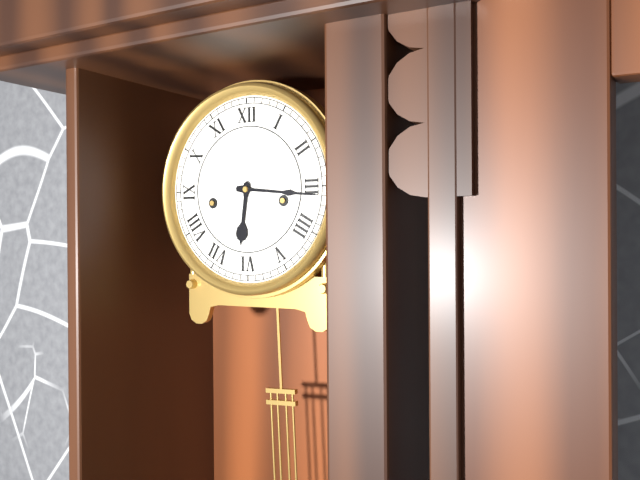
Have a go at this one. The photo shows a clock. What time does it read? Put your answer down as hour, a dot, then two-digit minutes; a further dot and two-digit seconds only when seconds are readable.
6.16
